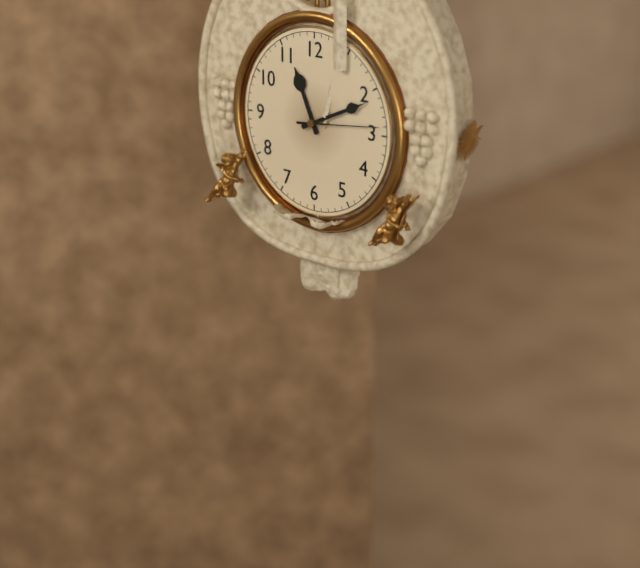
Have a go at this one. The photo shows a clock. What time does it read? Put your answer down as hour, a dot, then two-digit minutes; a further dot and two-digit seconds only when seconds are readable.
11.11.14
